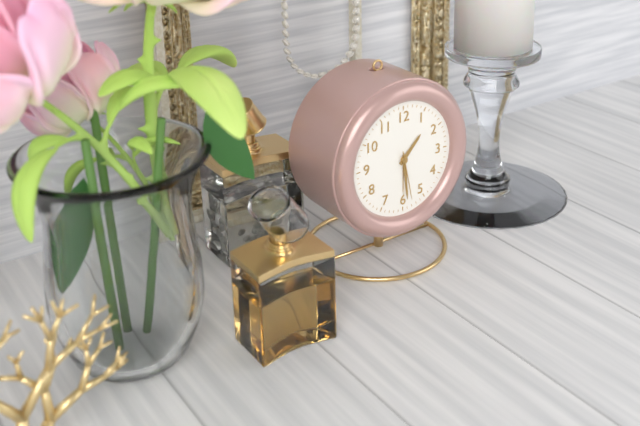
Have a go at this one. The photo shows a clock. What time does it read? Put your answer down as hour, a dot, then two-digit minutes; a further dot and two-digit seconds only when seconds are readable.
1.29.28
